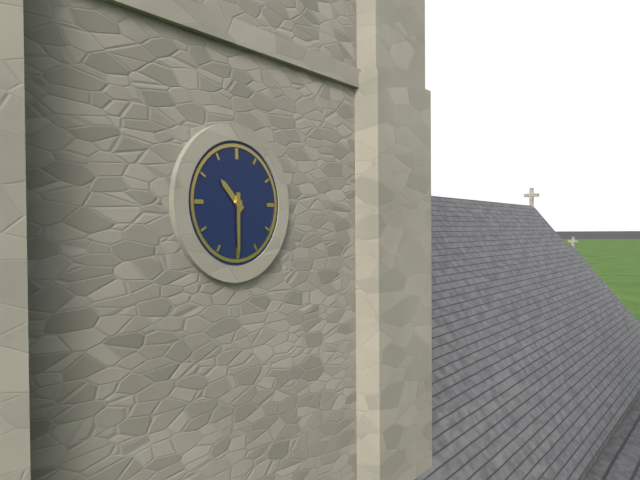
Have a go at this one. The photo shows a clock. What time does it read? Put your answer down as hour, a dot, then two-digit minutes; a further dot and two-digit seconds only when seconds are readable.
10.30
